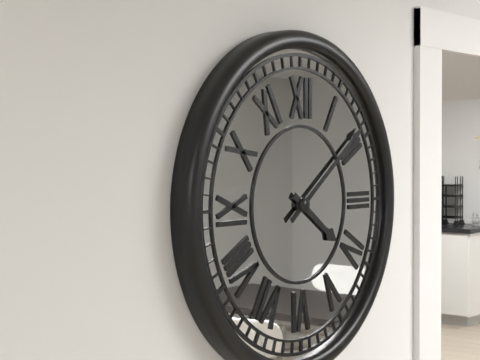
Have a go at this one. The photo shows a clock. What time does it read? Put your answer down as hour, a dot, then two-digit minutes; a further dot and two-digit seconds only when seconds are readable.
4.09
